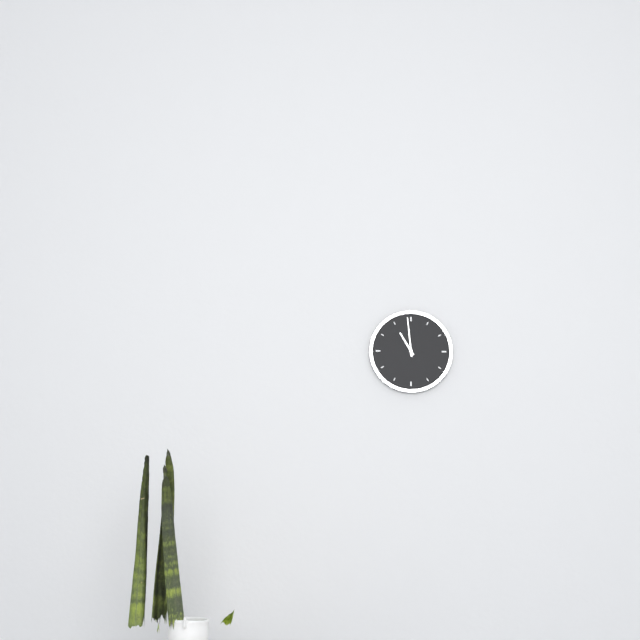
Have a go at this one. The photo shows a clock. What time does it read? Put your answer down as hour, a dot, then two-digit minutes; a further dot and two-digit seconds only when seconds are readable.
10.59
